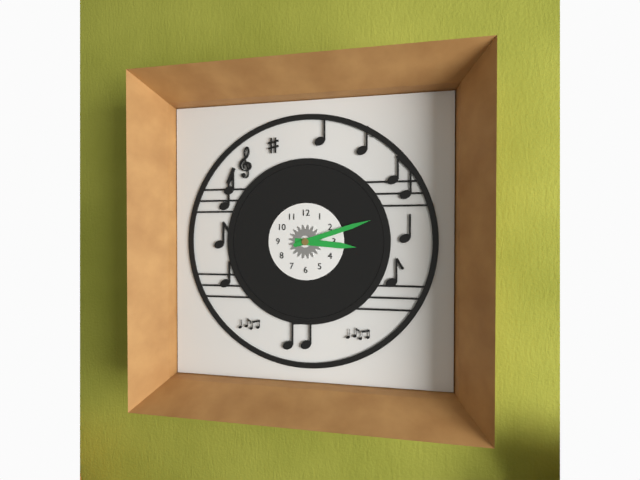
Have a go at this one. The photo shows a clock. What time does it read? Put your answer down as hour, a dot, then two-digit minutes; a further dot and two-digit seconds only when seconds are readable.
3.12
